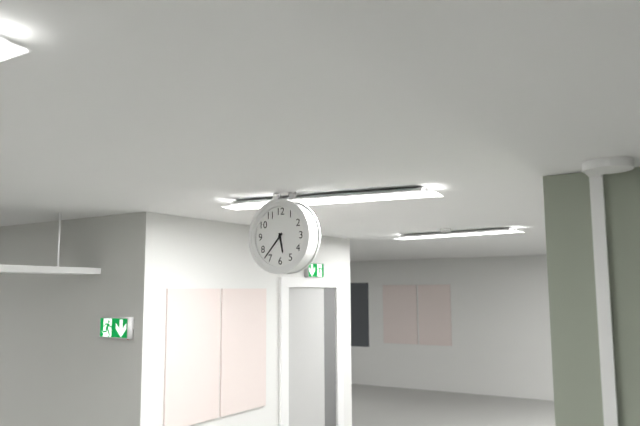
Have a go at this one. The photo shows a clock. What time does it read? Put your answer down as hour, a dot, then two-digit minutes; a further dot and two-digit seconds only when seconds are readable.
5.37
